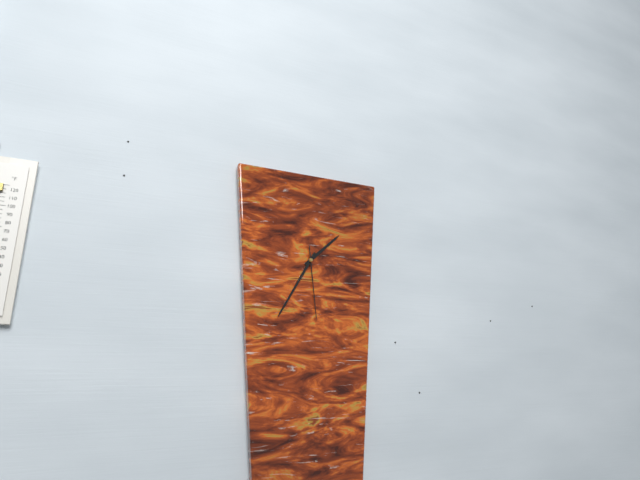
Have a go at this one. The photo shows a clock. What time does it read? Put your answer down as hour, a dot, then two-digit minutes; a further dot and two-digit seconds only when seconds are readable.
1.35.29
